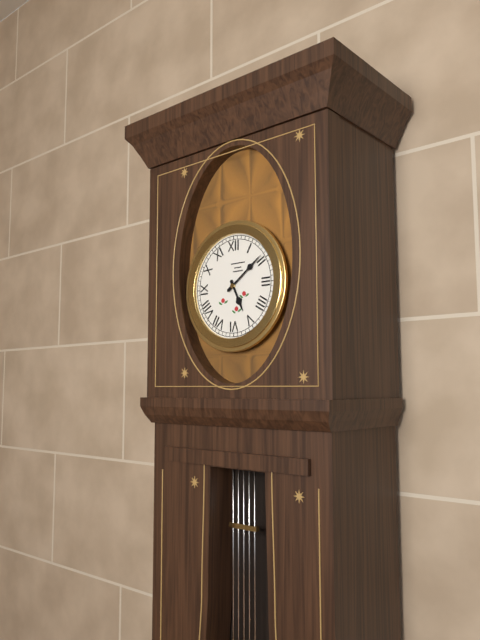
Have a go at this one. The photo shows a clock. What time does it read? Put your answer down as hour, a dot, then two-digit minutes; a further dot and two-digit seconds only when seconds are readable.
5.09
